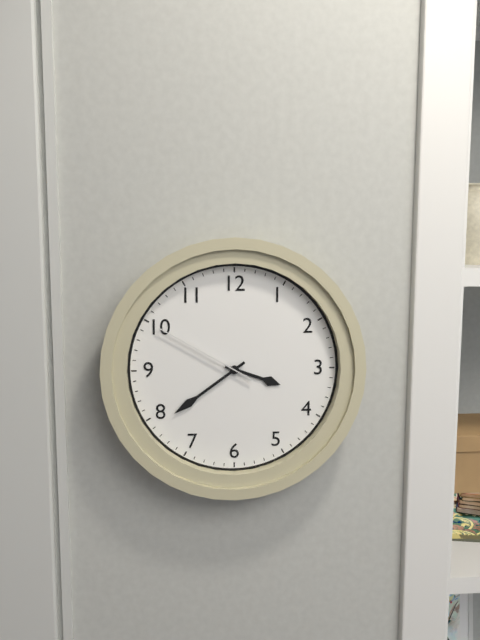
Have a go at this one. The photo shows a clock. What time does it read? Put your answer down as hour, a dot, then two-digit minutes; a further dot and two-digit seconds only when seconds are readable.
3.39.50
